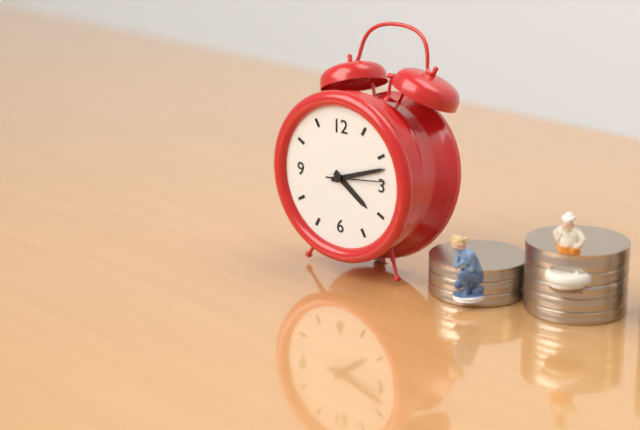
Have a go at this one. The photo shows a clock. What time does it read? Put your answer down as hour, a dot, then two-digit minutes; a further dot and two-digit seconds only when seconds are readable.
4.12.14
